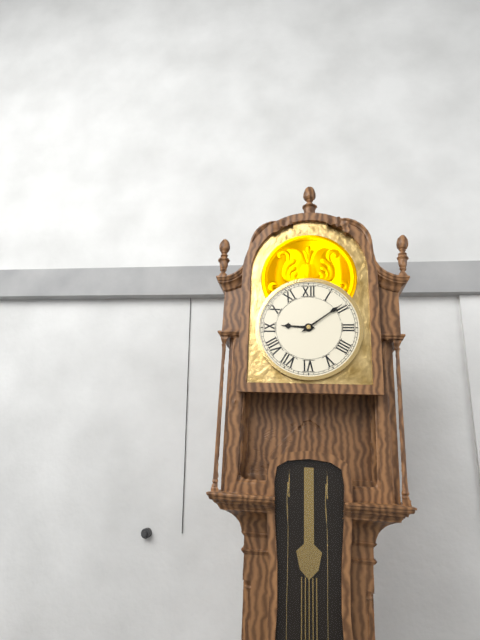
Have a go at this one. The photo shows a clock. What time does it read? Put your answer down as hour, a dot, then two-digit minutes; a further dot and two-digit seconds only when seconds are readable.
9.09
